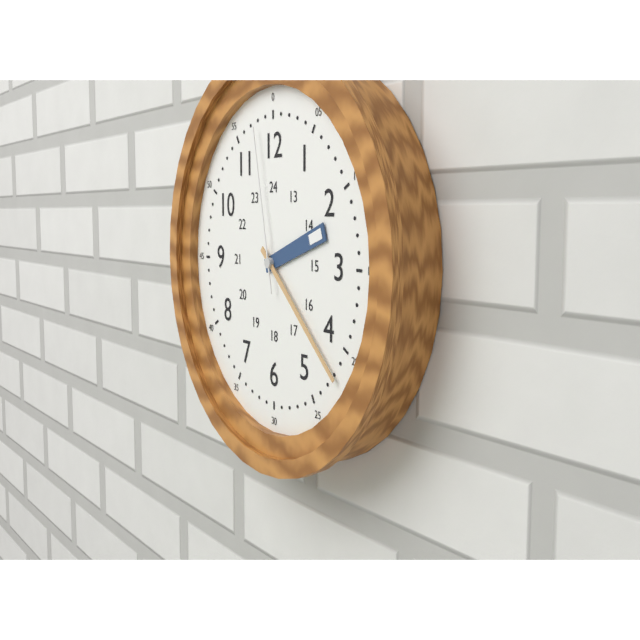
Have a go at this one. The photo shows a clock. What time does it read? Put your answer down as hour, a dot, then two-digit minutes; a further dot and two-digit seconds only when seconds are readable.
2.22.58
